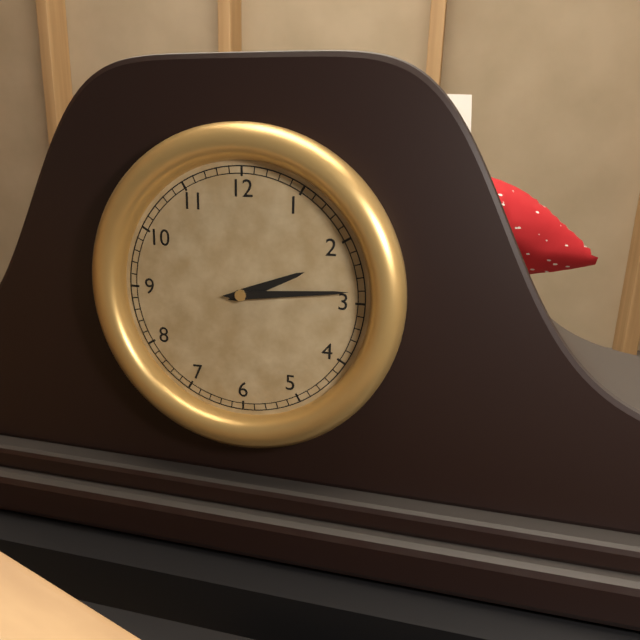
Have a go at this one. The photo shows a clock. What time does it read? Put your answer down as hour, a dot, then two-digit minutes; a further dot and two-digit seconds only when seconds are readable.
2.14
